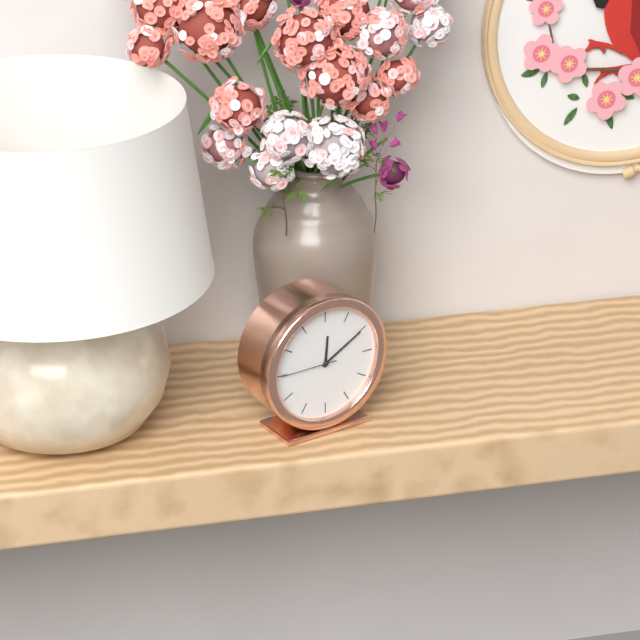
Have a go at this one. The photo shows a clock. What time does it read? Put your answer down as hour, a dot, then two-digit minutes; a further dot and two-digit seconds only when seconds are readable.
12.10.45
